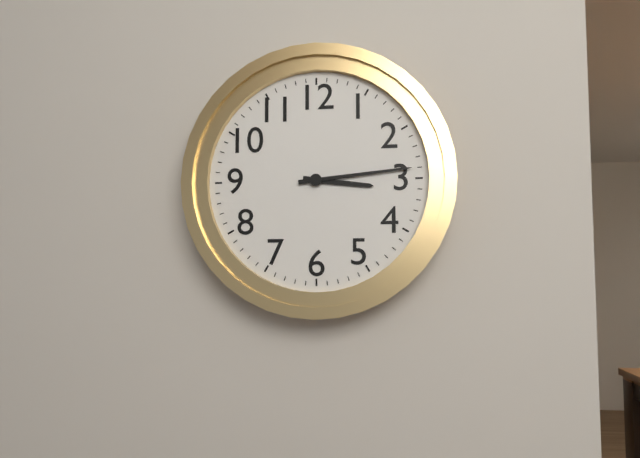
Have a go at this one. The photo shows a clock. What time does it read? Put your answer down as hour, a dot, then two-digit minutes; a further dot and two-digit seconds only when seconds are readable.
3.14
